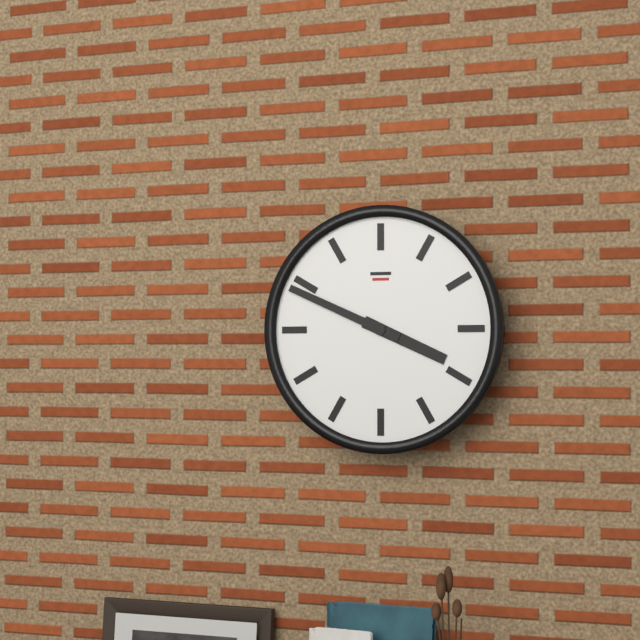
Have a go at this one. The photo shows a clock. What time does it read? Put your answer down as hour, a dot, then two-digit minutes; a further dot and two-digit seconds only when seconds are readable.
3.49
